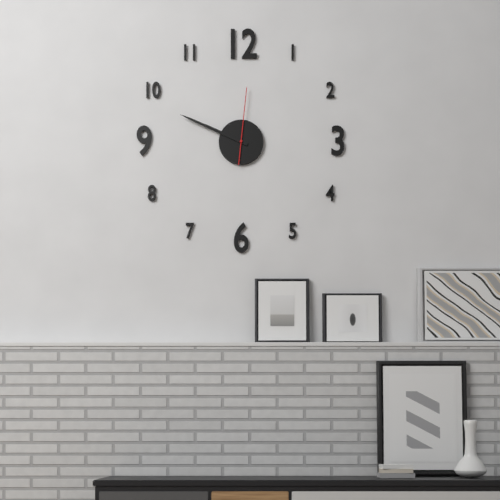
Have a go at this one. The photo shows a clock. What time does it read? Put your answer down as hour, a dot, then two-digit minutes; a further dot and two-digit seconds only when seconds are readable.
9.49.01
